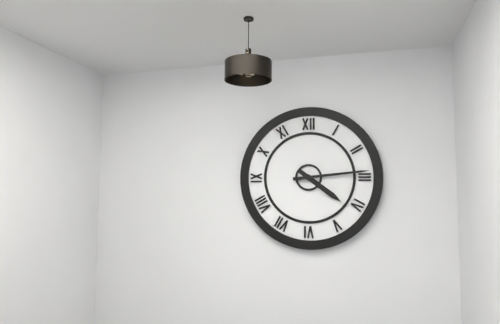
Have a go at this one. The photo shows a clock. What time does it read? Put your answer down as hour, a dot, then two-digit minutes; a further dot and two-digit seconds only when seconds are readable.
4.14
